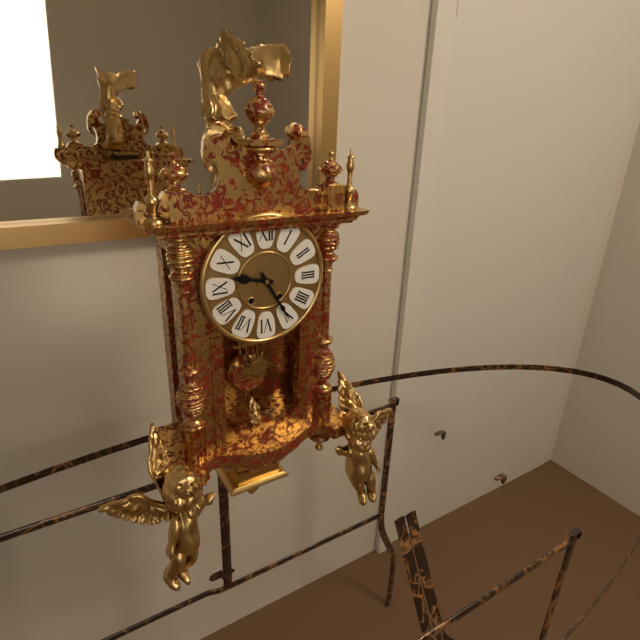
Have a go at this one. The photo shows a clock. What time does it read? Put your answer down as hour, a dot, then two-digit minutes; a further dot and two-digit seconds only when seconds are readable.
9.25
